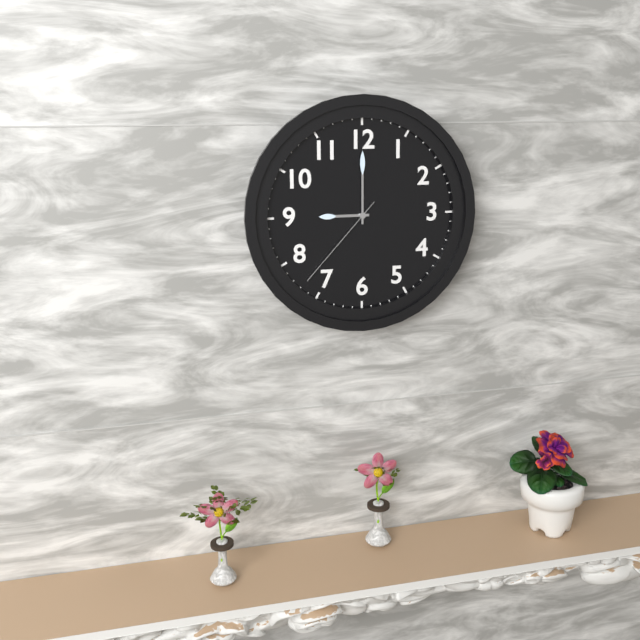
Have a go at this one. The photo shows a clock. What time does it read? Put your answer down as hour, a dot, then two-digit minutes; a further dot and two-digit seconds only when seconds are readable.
9.00.37
